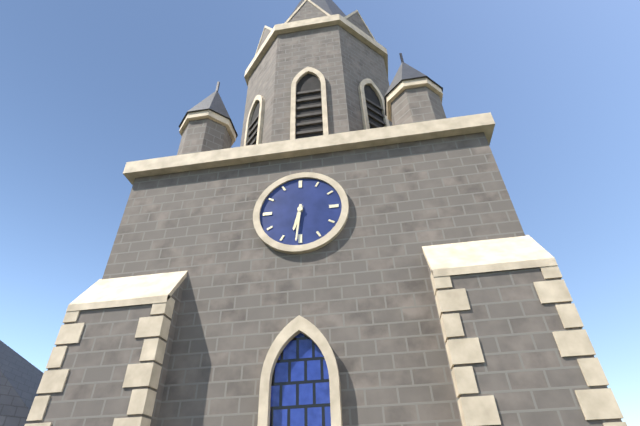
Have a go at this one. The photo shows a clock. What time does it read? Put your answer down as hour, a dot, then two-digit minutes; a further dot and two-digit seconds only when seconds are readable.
6.31
